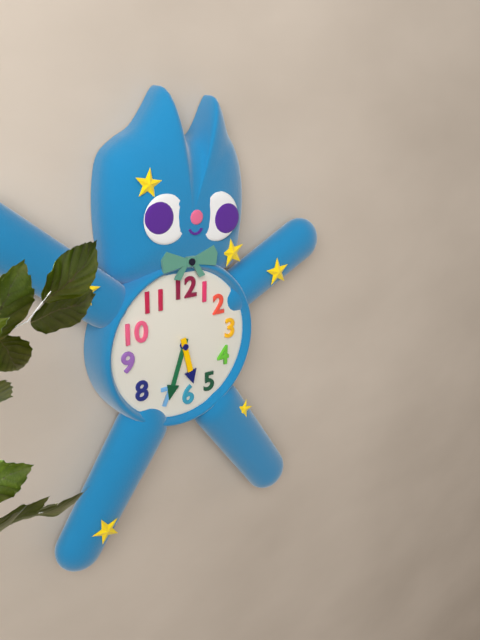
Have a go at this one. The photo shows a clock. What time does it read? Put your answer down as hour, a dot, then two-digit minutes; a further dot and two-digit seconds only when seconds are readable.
5.33
